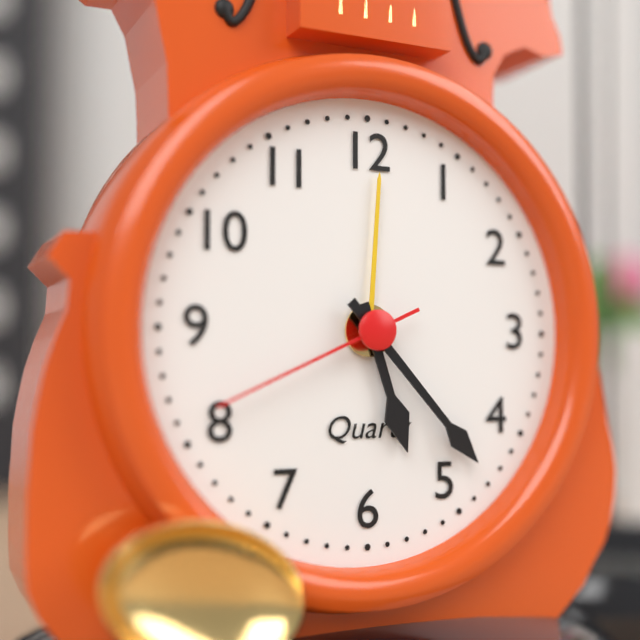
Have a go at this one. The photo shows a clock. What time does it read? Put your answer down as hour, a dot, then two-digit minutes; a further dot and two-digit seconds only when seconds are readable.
5.23.41
